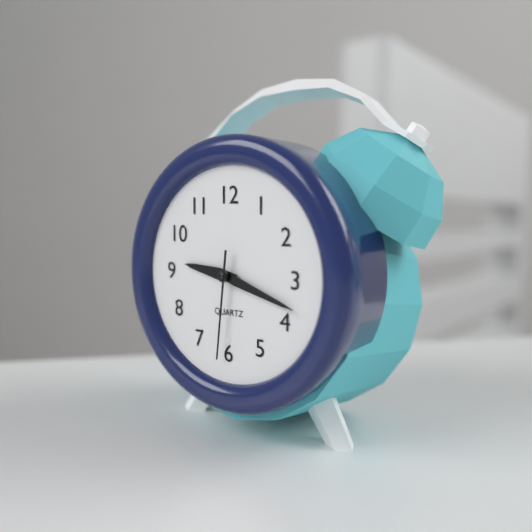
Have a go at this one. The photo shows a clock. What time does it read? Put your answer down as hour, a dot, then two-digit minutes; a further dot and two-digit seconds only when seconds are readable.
9.18.31
